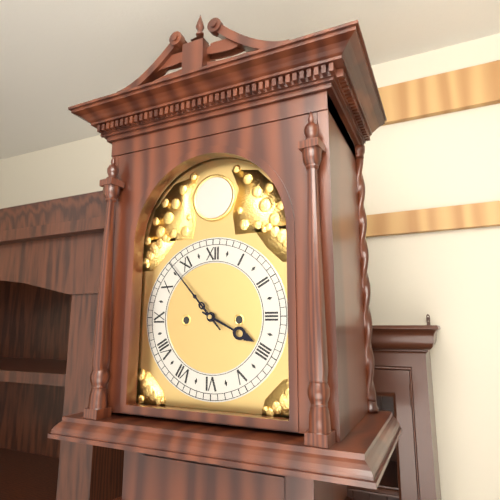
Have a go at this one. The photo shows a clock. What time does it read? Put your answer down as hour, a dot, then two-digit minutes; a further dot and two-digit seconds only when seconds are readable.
3.53
